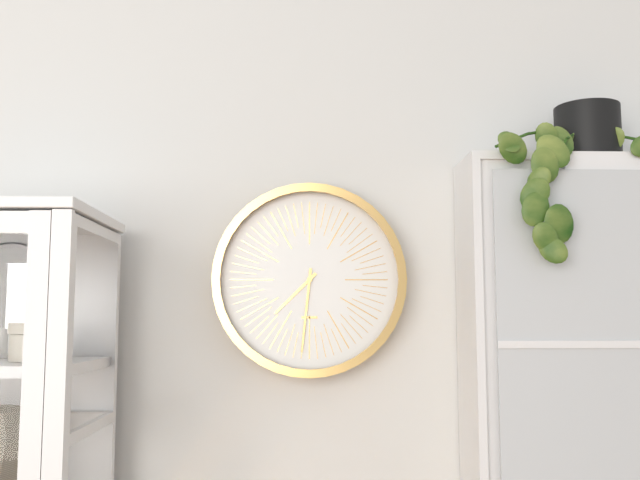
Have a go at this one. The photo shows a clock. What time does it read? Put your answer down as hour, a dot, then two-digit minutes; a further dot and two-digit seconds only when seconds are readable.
7.31
